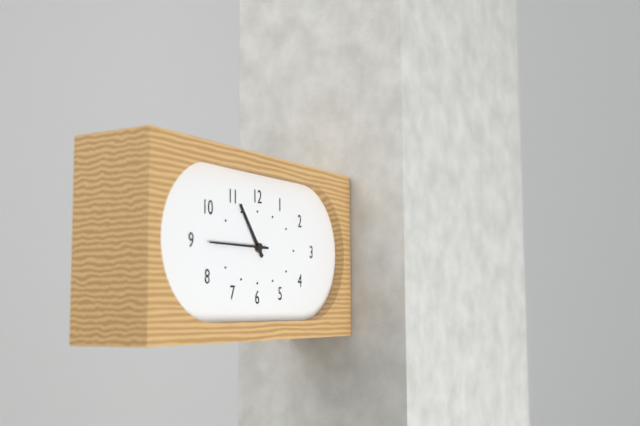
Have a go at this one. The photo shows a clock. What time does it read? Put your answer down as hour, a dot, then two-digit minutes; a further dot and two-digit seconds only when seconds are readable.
10.45
